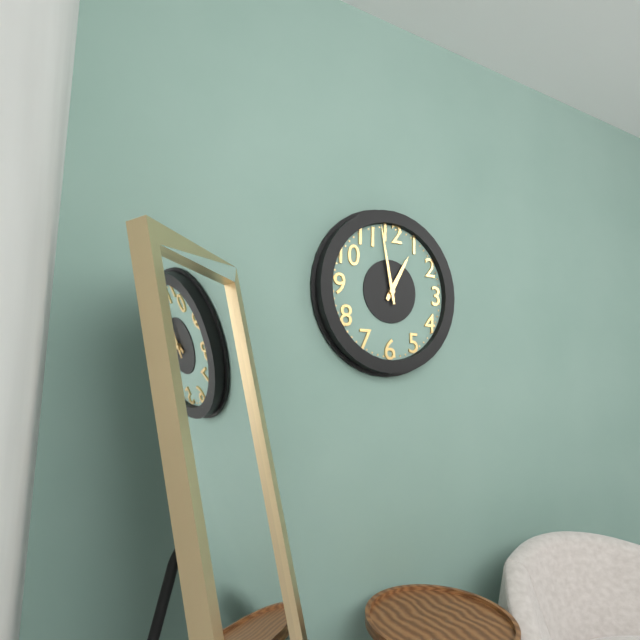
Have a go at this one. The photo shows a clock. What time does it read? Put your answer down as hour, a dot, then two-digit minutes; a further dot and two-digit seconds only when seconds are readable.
12.58
